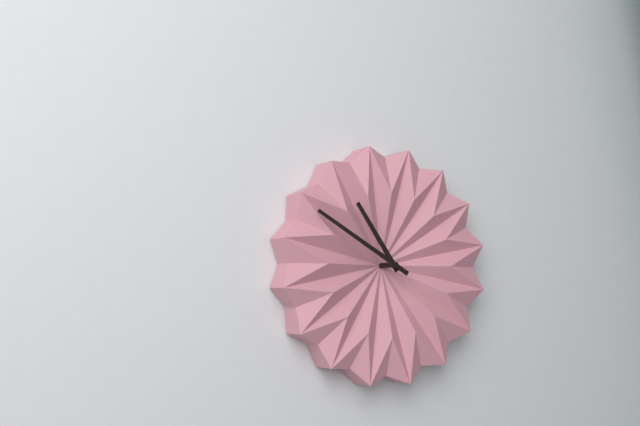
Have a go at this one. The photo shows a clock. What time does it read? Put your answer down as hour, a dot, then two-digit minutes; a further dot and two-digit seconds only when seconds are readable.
10.50
